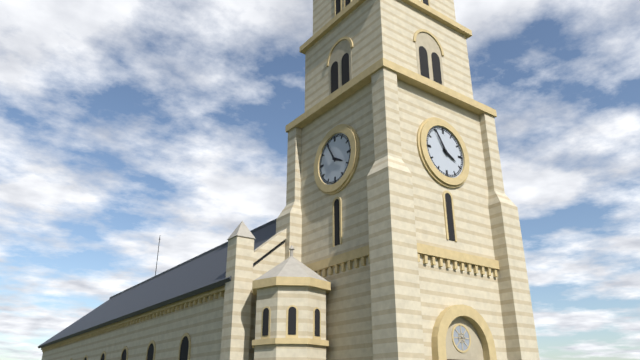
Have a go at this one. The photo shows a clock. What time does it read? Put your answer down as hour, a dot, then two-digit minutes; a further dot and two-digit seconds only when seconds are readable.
3.55
